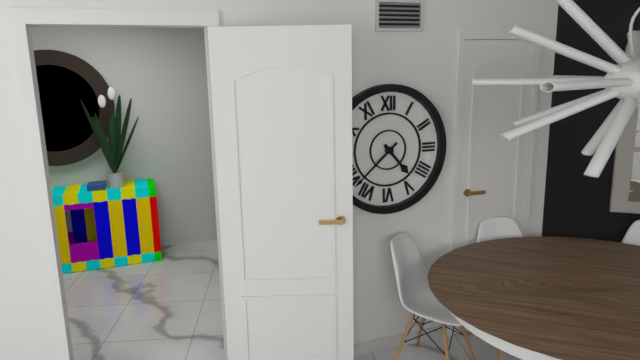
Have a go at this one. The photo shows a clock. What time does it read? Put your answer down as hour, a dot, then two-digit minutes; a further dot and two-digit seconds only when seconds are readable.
4.38
